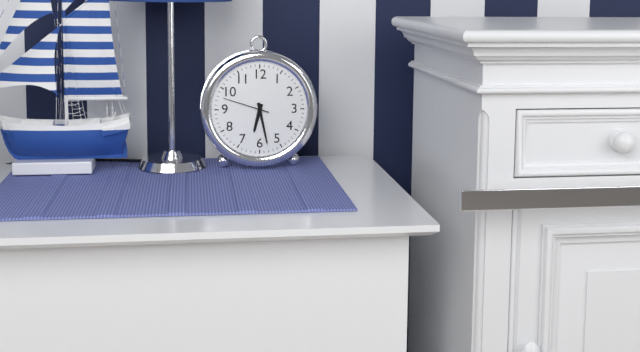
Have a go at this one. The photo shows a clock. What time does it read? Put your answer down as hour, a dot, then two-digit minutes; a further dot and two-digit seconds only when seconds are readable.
6.28
